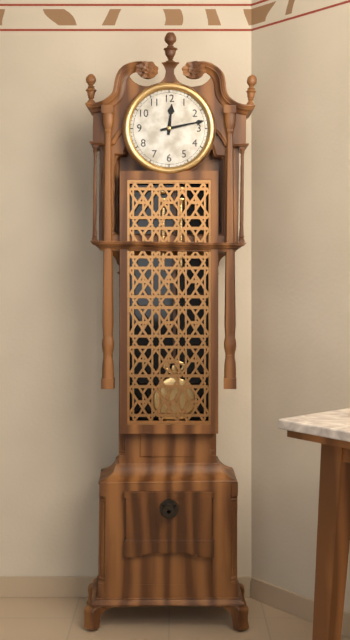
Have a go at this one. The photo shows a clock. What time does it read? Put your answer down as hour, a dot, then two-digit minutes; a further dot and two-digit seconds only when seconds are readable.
12.13
